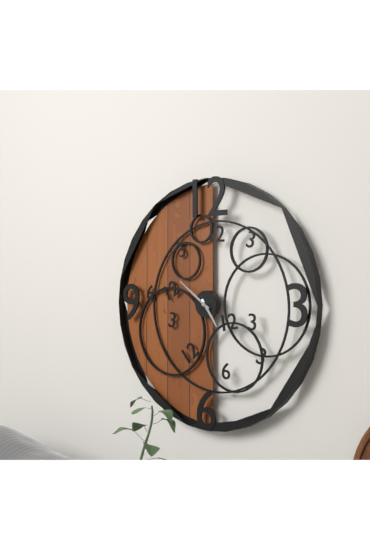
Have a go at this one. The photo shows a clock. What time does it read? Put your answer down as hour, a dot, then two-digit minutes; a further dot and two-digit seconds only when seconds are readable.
4.51
